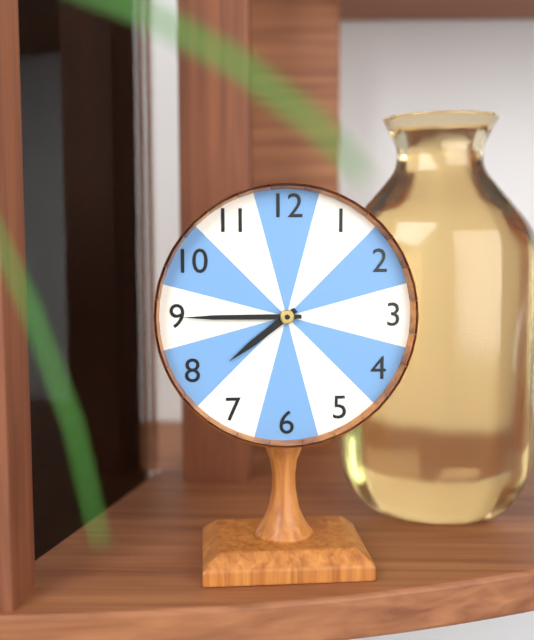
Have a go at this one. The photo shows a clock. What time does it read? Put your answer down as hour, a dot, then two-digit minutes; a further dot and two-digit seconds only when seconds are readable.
7.45
